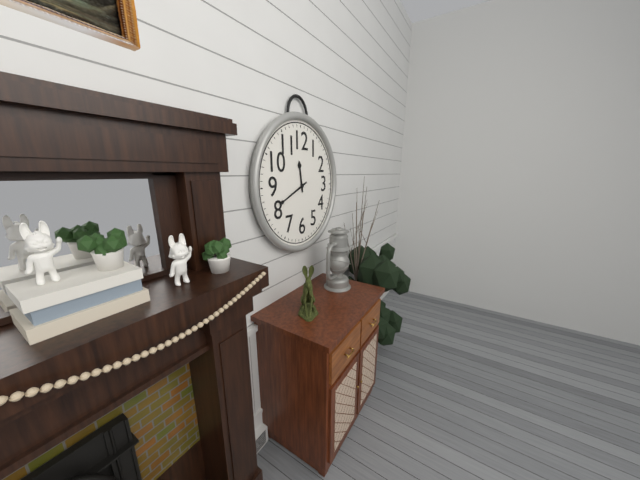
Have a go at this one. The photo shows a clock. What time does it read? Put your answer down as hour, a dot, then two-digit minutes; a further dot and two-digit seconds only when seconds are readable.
11.41
